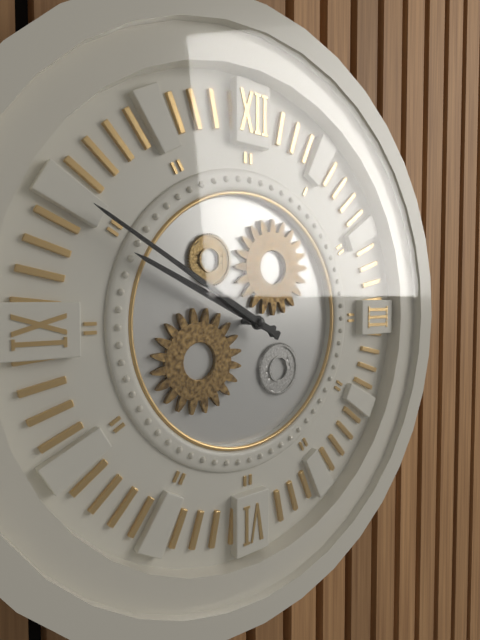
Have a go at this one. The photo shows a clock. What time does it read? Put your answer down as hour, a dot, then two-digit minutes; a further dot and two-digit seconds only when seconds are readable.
9.50
